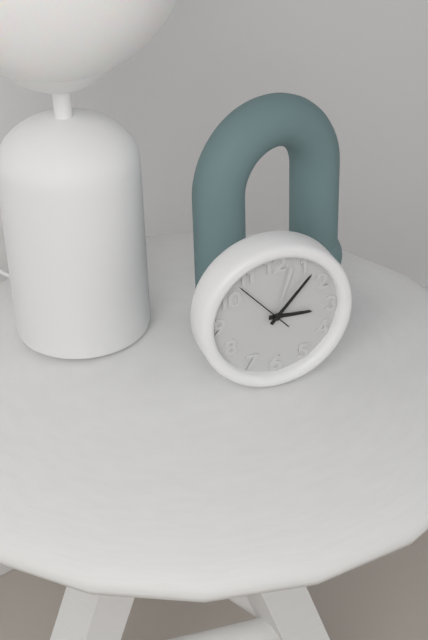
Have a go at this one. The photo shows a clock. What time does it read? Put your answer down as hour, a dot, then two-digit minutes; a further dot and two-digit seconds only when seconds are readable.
3.07.53
